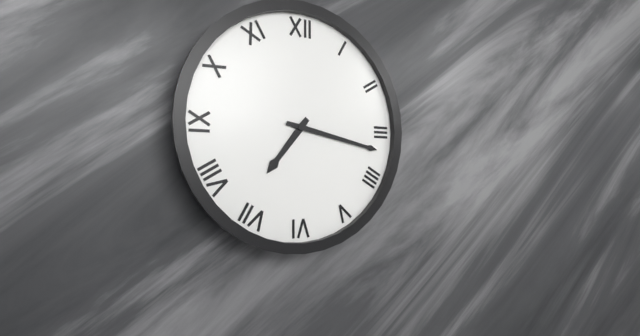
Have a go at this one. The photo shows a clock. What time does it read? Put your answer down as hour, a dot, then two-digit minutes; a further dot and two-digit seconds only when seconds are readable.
7.17
